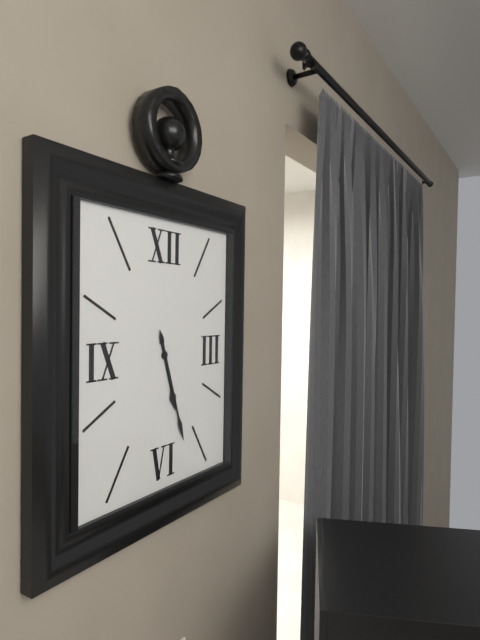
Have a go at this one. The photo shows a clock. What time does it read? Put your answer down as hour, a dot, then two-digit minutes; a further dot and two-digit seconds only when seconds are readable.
5.27
